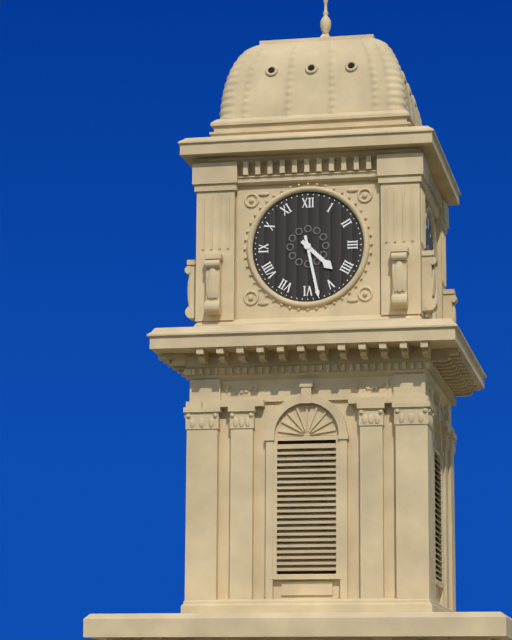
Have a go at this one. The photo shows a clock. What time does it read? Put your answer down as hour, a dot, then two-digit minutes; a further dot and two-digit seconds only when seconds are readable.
4.28
